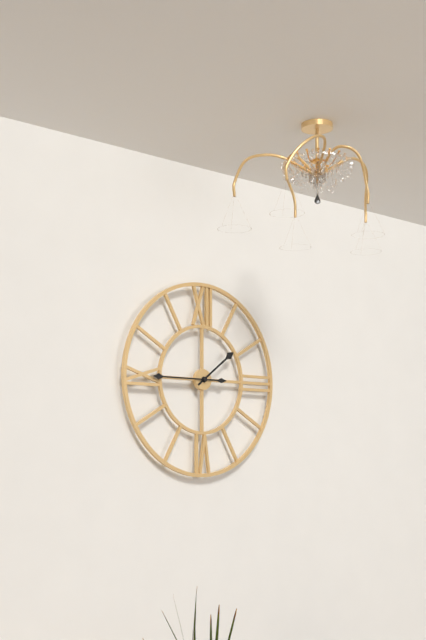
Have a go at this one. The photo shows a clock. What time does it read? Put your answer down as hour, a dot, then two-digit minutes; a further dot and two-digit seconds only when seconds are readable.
1.45
